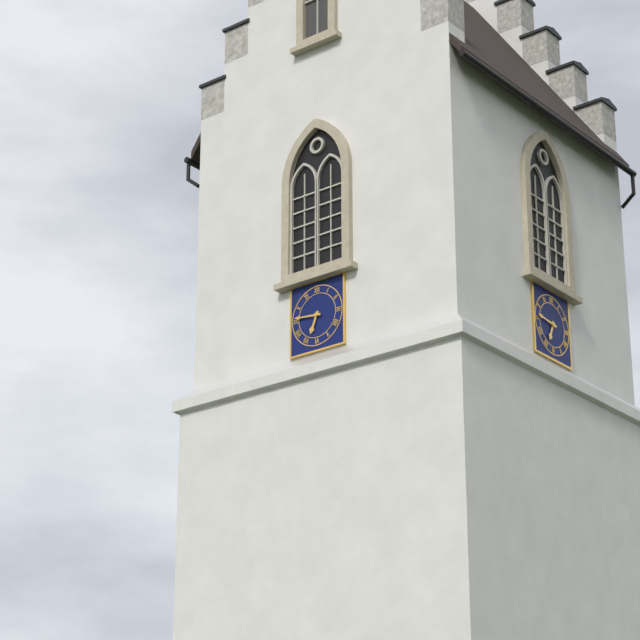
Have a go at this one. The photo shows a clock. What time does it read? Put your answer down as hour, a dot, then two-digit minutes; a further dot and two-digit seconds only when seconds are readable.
6.46
